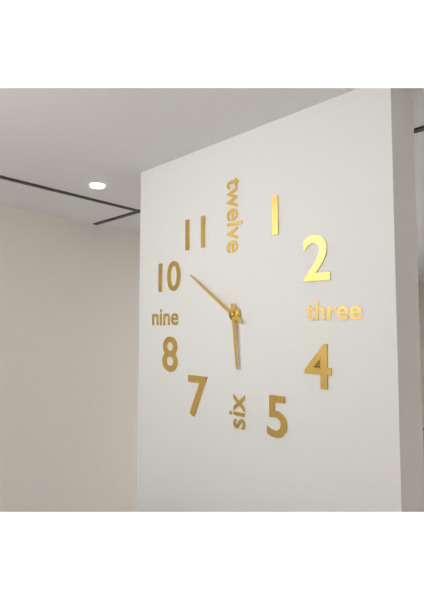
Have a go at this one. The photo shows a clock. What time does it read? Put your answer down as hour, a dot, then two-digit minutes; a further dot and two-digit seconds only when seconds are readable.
5.51
